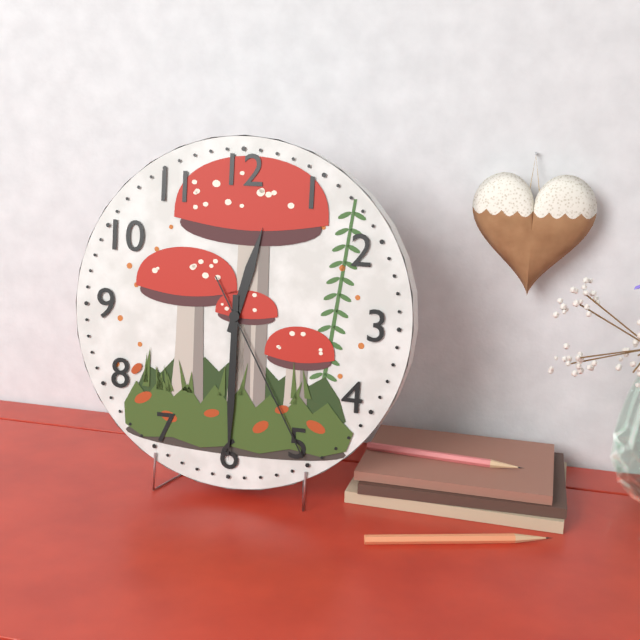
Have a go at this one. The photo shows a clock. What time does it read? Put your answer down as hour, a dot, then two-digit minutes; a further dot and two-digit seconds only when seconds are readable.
12.30.25
